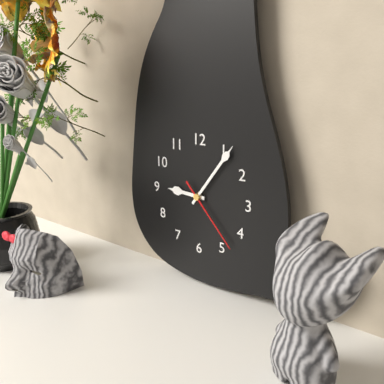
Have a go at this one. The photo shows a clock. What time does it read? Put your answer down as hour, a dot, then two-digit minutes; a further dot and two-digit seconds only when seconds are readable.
9.06.23
